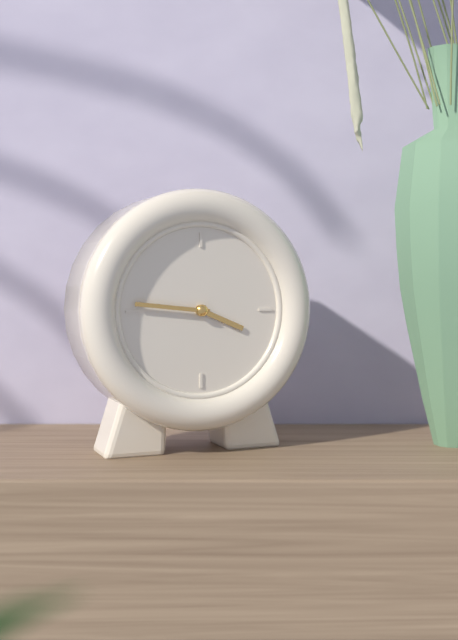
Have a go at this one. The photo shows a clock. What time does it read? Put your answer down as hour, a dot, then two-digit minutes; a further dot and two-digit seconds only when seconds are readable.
3.46
